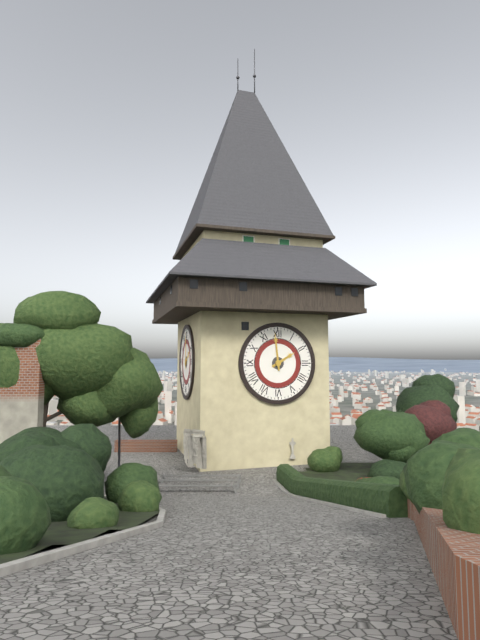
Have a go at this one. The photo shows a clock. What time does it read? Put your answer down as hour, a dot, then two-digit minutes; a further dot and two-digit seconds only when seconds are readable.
1.59
